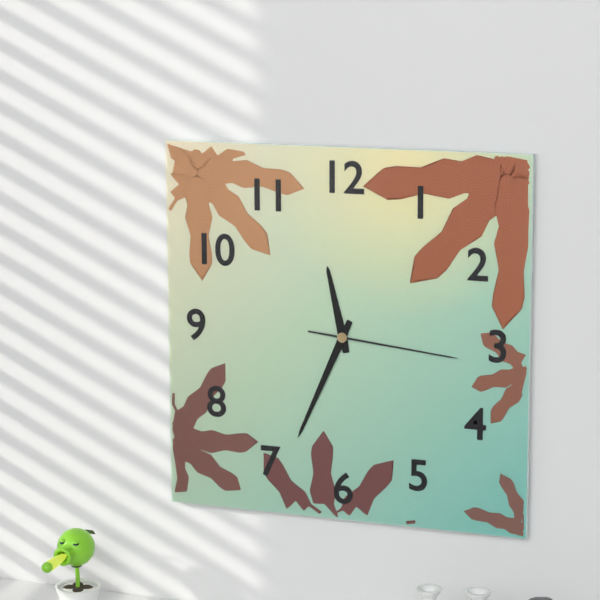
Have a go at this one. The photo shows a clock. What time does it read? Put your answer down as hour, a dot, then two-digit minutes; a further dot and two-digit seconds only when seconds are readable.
11.34.16
